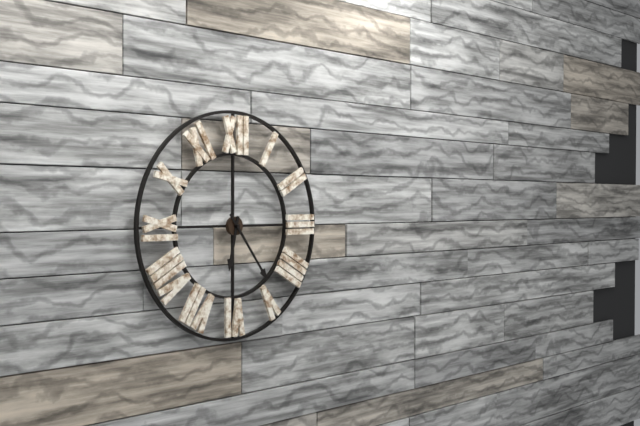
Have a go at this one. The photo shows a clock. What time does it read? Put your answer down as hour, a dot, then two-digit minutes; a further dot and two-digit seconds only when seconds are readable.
6.24
